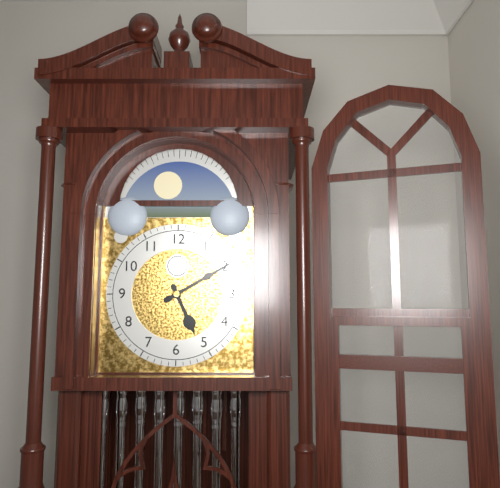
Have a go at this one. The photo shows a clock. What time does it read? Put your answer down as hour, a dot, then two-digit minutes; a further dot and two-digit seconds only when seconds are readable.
5.10
